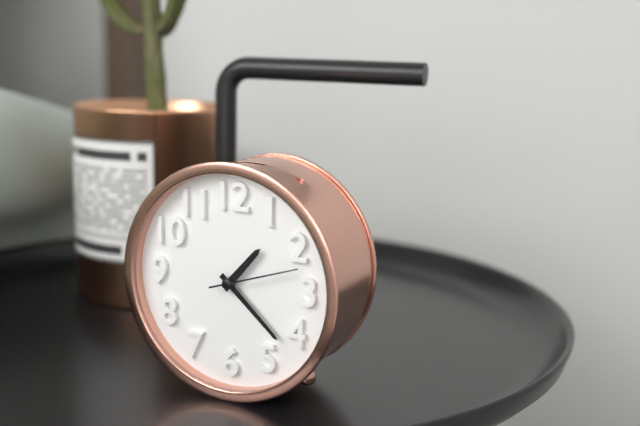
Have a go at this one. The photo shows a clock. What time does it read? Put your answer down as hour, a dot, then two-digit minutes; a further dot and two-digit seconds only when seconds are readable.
1.22.12
